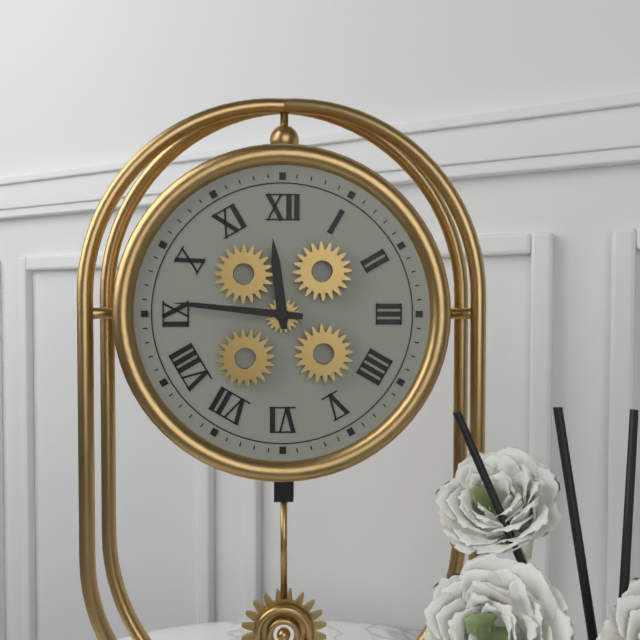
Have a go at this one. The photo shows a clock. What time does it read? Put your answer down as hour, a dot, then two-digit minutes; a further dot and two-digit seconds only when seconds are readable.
11.46
